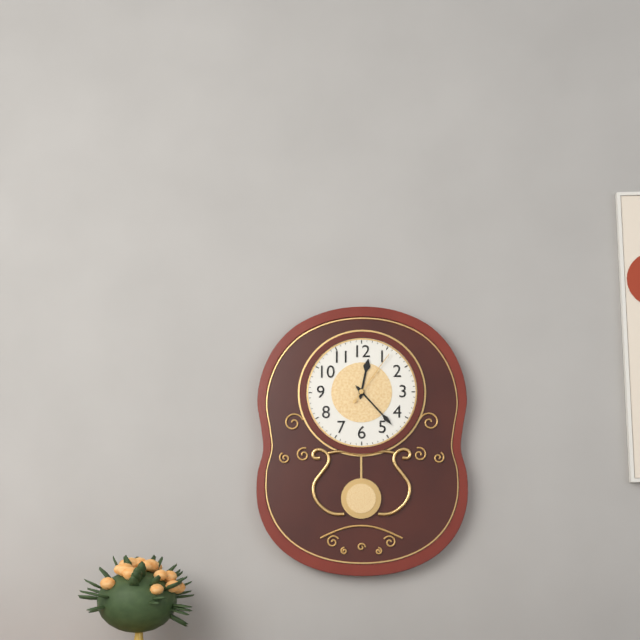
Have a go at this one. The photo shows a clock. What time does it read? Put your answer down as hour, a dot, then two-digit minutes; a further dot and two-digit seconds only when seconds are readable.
12.23.06
